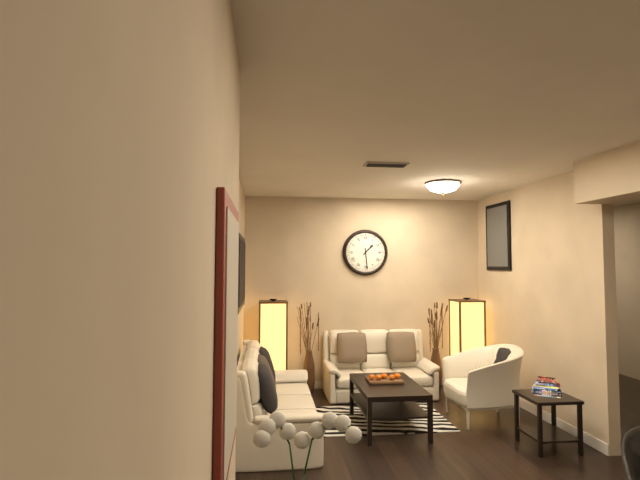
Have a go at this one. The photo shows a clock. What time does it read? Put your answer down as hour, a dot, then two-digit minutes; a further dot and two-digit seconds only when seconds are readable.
1.29
